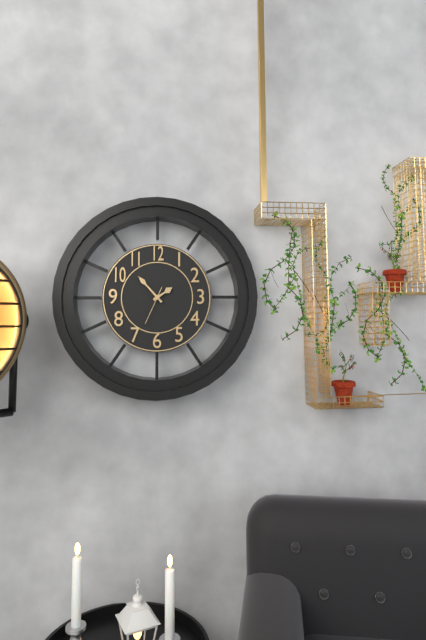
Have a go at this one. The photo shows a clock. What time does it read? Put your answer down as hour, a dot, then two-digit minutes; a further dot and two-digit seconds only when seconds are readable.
1.53
